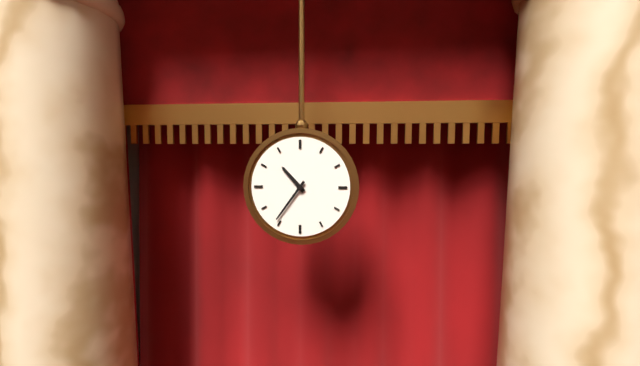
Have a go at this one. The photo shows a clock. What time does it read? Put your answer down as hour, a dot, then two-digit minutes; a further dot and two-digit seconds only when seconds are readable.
10.36
